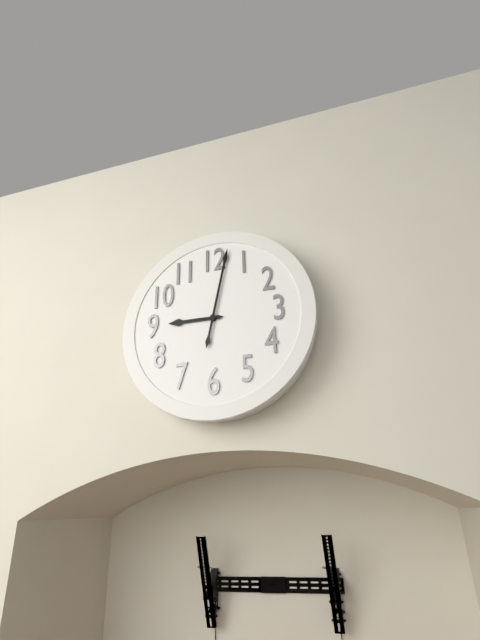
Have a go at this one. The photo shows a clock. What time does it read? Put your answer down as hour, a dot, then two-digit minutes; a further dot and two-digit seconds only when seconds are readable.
9.02
